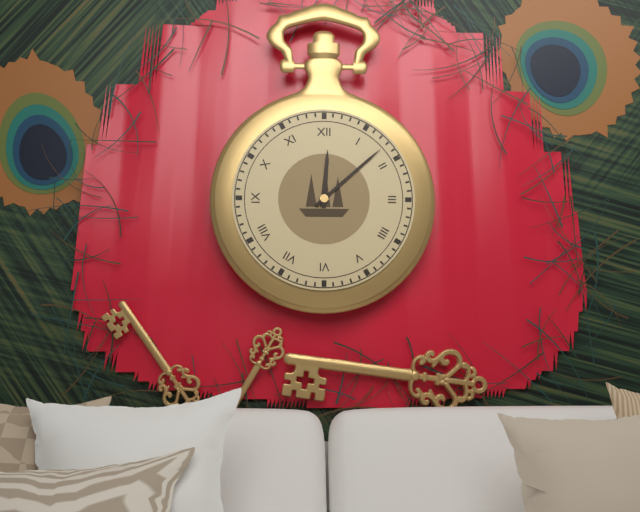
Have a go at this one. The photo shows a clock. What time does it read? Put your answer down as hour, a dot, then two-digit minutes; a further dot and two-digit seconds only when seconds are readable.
12.08
